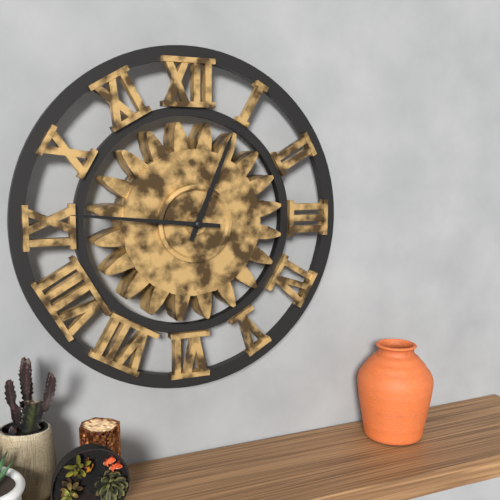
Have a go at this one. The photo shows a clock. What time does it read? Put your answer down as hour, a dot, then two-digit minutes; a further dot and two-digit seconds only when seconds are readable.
12.46
